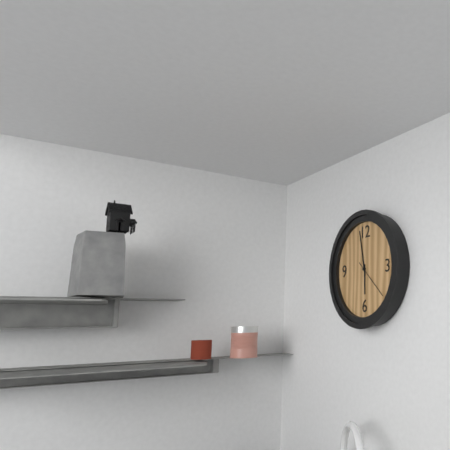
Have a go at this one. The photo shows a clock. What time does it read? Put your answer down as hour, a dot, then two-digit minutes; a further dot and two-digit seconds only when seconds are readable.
5.58
